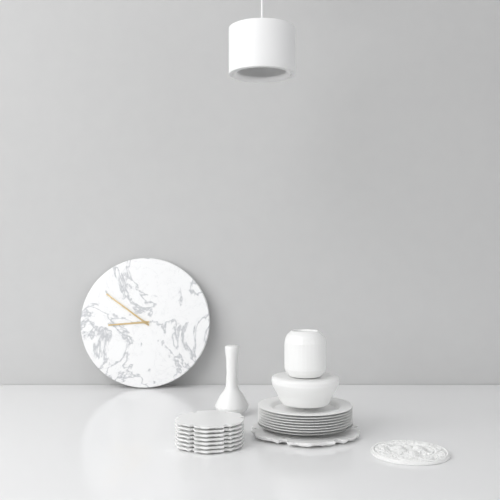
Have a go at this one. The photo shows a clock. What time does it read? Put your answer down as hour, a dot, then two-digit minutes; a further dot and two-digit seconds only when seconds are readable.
8.51
